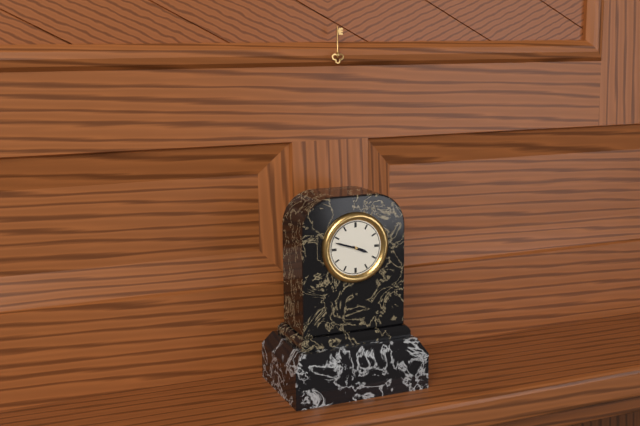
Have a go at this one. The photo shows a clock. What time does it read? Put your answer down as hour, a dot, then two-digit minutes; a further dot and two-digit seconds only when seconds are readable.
3.48
